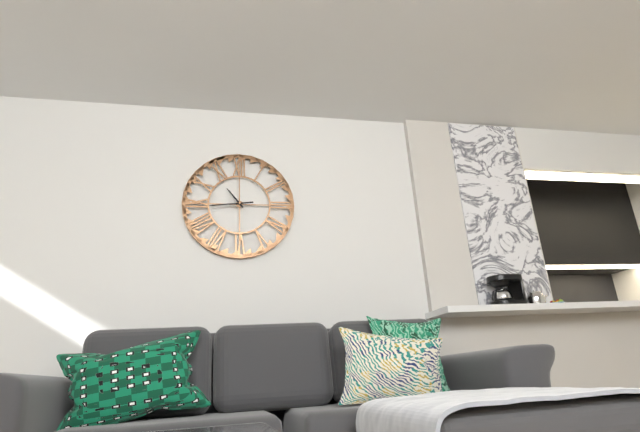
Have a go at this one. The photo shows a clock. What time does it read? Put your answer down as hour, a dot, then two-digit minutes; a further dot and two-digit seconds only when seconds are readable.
10.44
